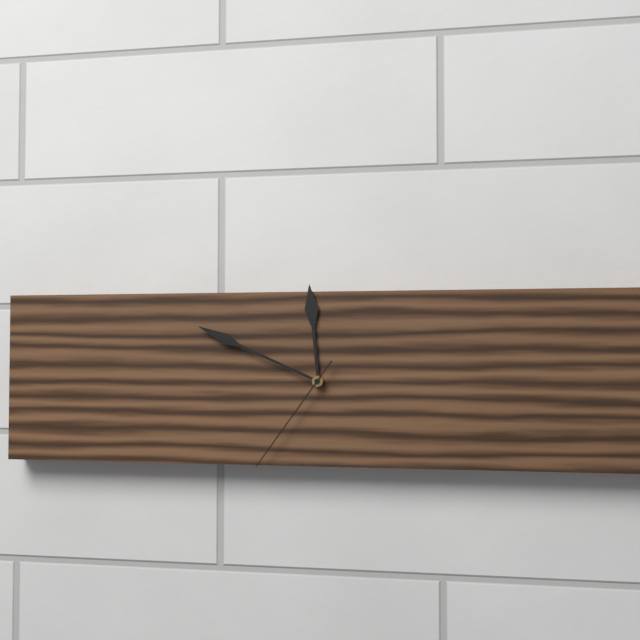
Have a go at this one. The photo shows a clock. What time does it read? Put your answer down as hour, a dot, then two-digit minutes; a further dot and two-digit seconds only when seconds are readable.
11.49.36
